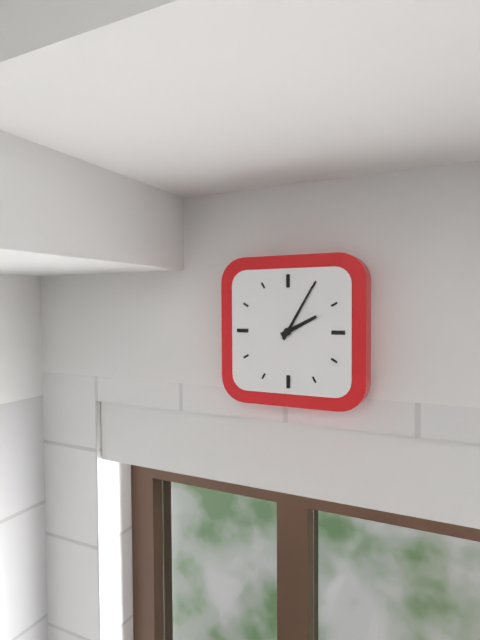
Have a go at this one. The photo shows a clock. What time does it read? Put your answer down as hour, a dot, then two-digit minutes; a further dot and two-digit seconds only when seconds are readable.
2.05
